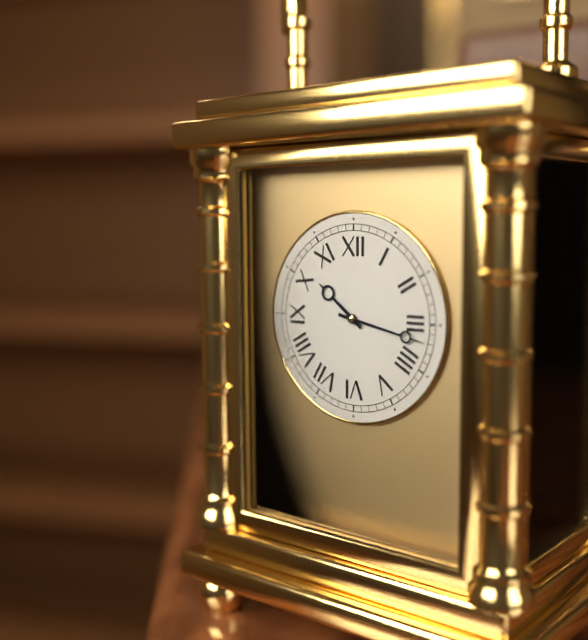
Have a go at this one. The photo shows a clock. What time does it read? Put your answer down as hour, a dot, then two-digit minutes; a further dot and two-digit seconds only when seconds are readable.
10.17
